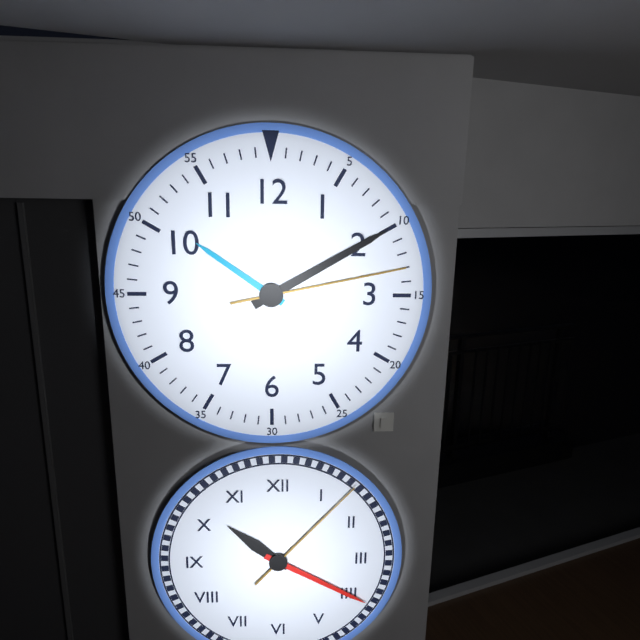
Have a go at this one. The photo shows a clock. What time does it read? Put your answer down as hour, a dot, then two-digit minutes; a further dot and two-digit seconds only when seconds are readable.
10.10.13
